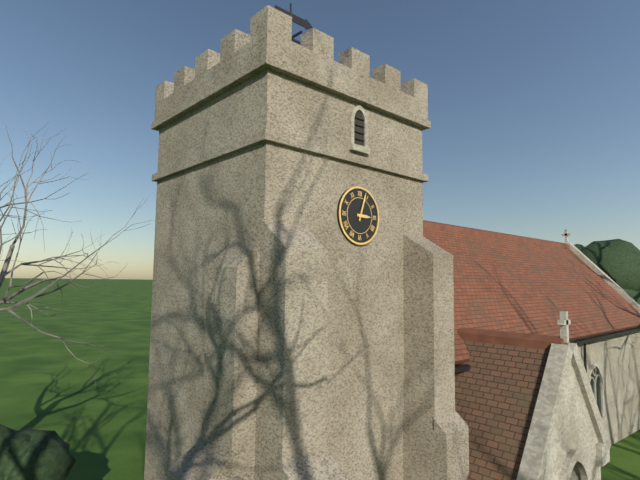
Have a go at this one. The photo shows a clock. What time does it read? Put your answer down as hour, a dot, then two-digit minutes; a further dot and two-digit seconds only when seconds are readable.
3.03
